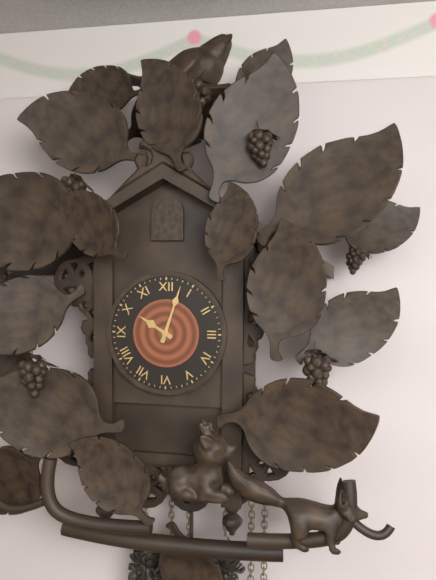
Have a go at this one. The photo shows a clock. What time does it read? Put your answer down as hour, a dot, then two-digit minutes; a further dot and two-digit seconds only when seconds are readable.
10.03
